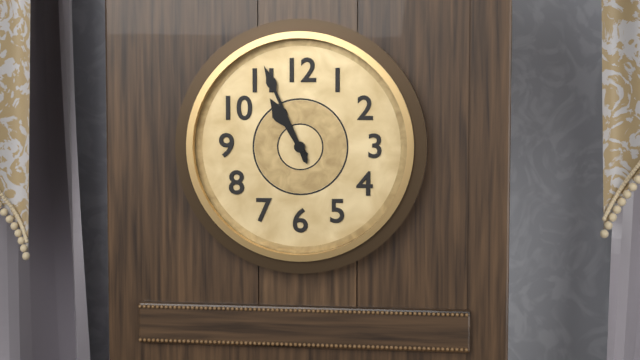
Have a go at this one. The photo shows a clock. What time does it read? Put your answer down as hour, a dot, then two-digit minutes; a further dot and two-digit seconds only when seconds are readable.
10.56
